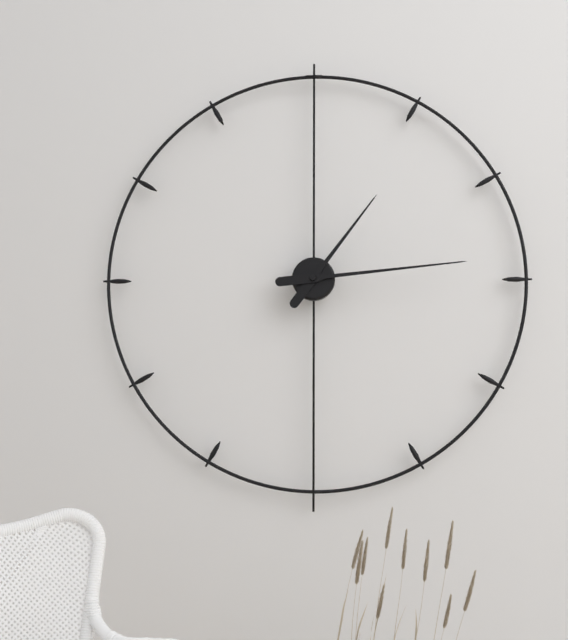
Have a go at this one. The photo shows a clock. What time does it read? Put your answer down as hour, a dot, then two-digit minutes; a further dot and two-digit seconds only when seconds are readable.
1.14
